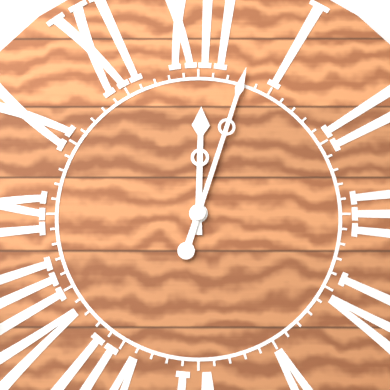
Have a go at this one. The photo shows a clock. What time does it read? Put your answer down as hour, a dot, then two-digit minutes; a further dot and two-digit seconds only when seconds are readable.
12.03
